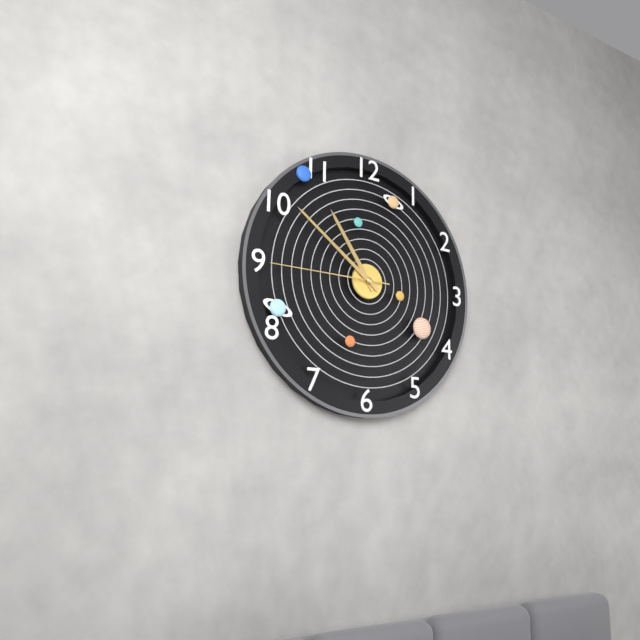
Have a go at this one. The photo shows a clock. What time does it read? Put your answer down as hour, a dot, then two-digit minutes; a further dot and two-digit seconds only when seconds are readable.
10.51.45
